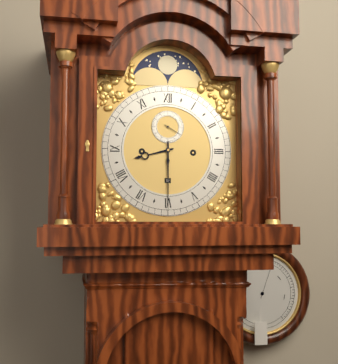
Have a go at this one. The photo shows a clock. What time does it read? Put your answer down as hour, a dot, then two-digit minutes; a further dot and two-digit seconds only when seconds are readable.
8.30
